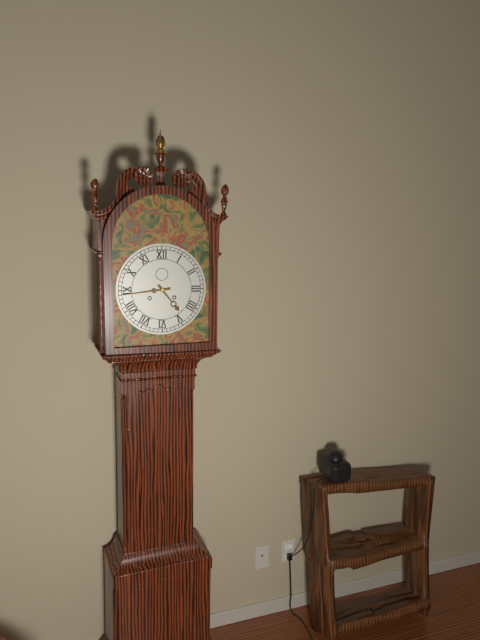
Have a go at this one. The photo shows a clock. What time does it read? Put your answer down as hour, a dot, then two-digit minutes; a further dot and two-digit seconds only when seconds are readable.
4.44
